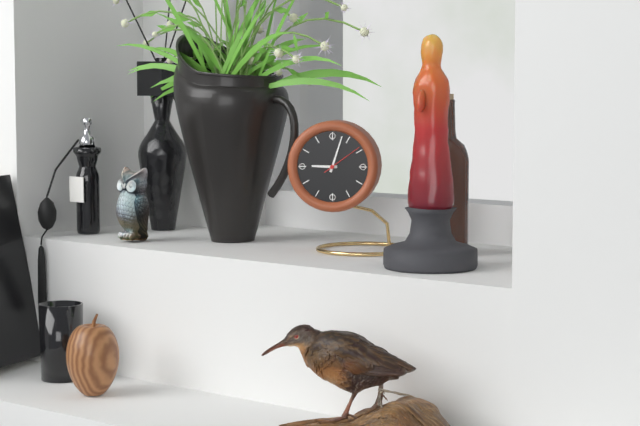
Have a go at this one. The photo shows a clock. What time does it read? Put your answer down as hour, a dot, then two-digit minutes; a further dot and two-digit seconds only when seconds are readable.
9.03
